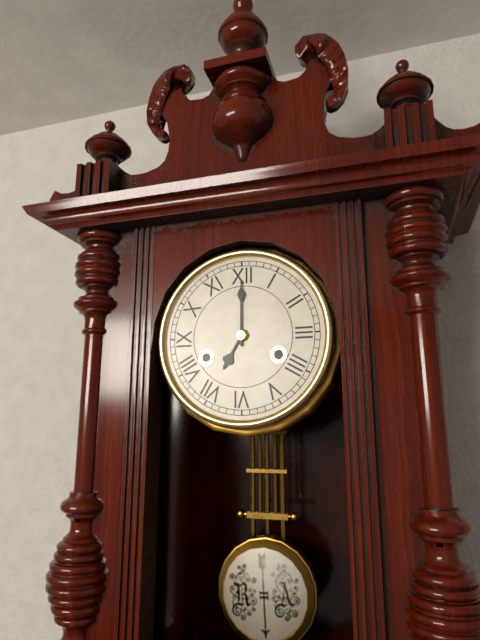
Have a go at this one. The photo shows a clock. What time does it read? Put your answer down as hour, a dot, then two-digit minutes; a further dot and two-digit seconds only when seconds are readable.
7.00
